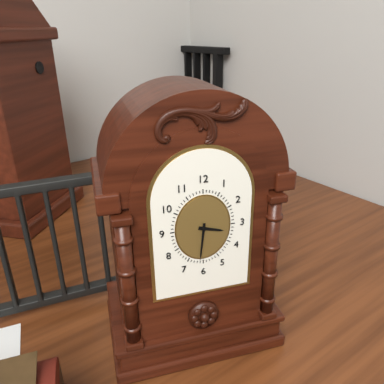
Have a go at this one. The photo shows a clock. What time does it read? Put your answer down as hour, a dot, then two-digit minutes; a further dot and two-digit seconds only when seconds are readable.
3.31
